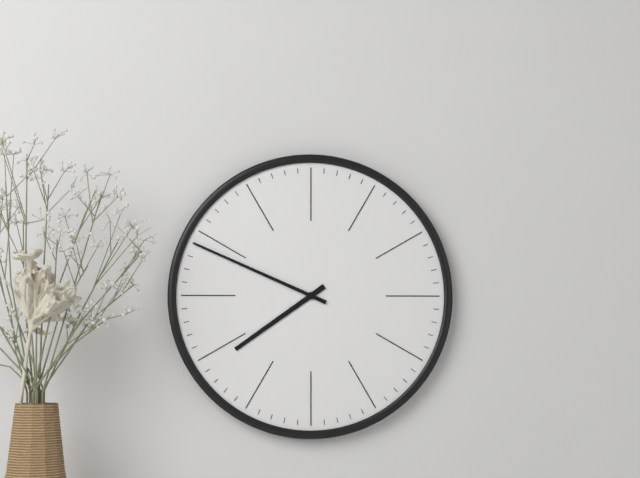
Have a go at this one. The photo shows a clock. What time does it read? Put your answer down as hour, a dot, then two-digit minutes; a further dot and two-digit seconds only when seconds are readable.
7.49
